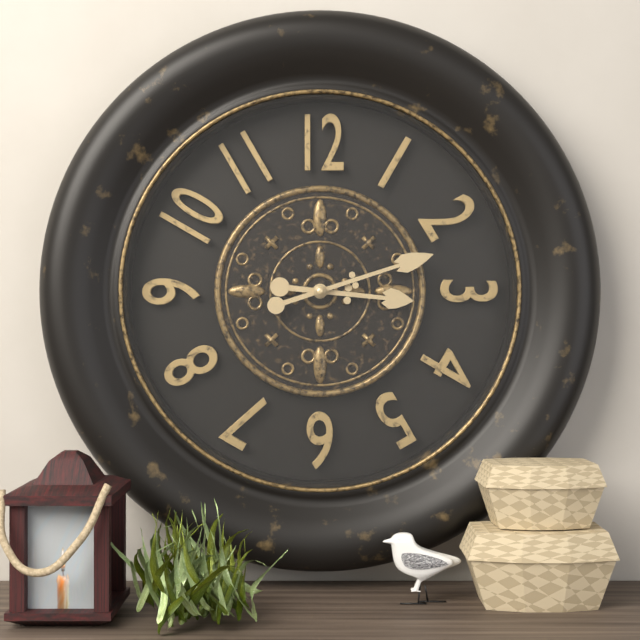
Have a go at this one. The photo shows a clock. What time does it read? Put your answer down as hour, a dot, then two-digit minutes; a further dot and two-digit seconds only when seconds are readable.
3.12
